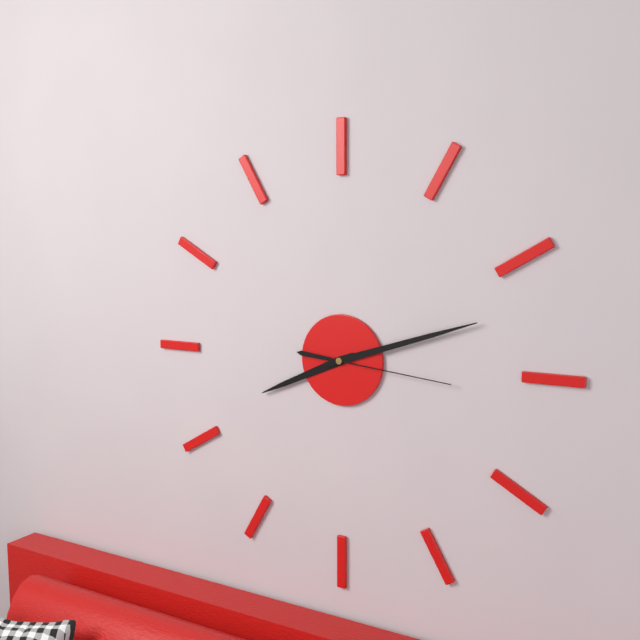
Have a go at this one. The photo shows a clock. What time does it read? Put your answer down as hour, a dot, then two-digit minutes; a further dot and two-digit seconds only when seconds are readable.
8.12.16
